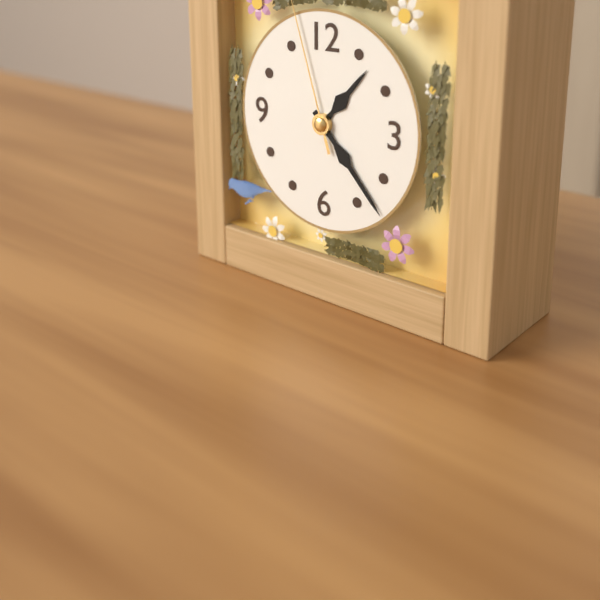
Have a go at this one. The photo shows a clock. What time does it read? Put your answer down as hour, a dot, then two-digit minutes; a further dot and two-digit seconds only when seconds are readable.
1.23
